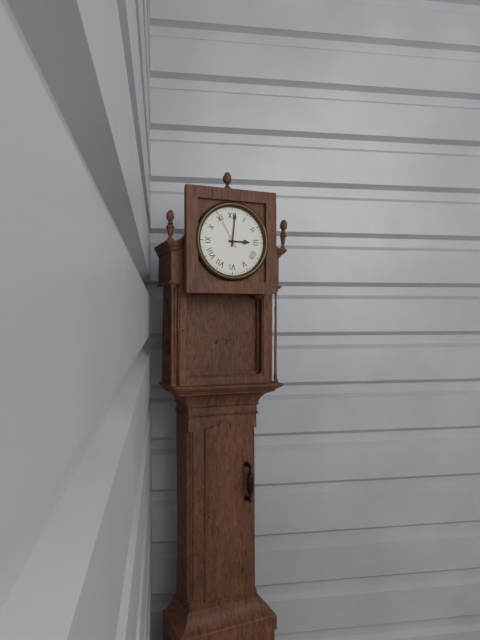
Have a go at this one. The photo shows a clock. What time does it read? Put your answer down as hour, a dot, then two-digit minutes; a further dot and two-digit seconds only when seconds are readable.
3.01
